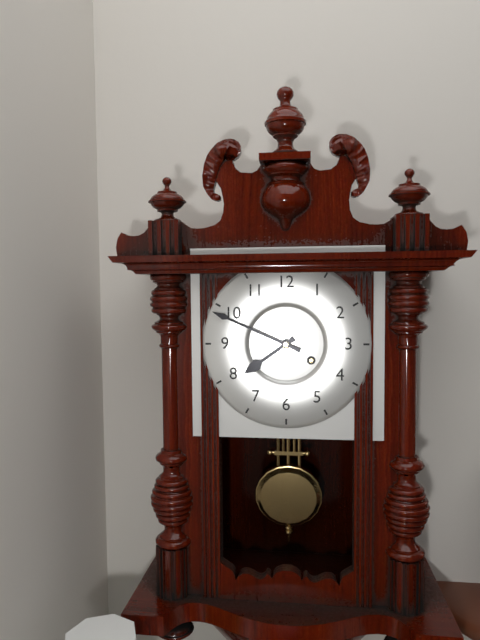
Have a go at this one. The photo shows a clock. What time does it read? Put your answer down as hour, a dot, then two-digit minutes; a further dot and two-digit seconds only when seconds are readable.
7.49
